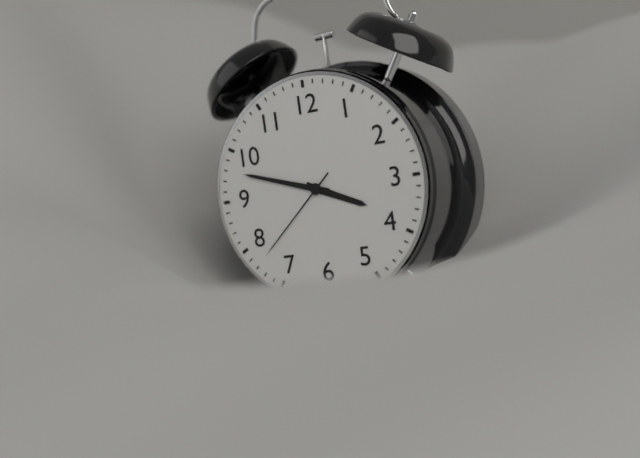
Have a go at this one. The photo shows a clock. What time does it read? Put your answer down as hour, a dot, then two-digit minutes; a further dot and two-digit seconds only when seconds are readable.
3.48.38
